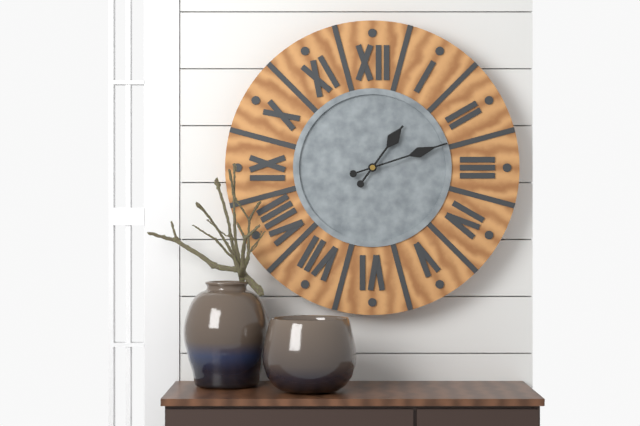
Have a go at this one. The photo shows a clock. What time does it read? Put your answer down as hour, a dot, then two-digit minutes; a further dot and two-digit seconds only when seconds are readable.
1.12
